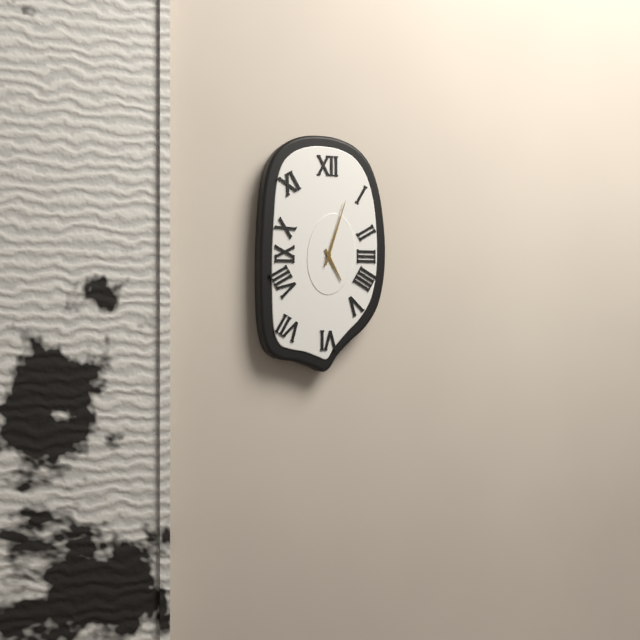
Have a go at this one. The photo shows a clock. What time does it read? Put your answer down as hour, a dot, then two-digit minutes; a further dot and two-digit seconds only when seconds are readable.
5.03
